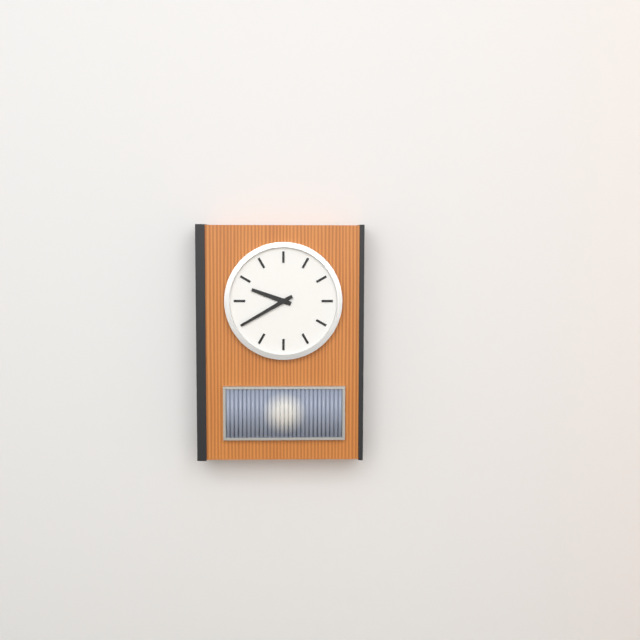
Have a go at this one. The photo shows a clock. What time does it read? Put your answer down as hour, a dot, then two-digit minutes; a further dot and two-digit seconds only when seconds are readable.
9.40
